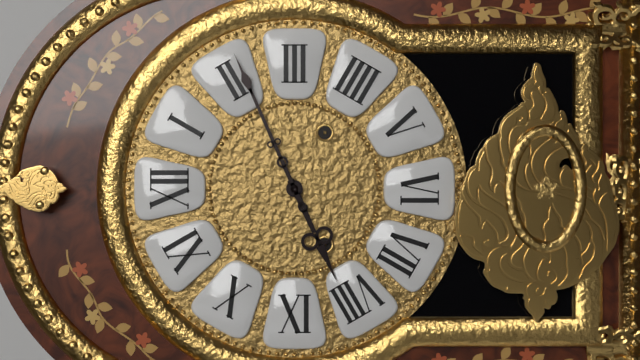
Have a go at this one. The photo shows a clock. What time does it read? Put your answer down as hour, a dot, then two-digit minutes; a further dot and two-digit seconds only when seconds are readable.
8.11
